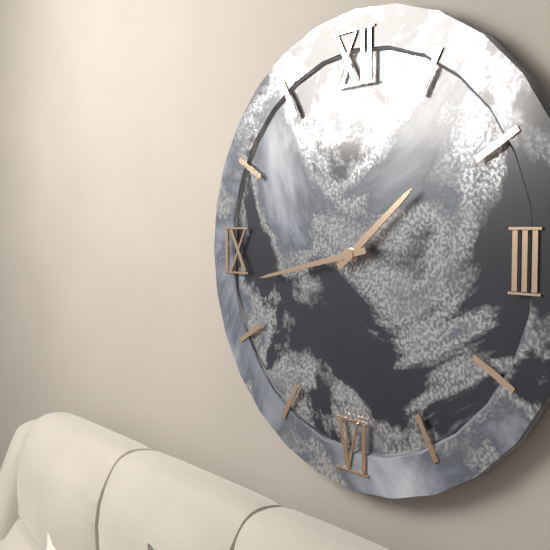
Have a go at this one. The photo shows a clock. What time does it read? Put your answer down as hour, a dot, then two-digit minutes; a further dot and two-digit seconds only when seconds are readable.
1.43
